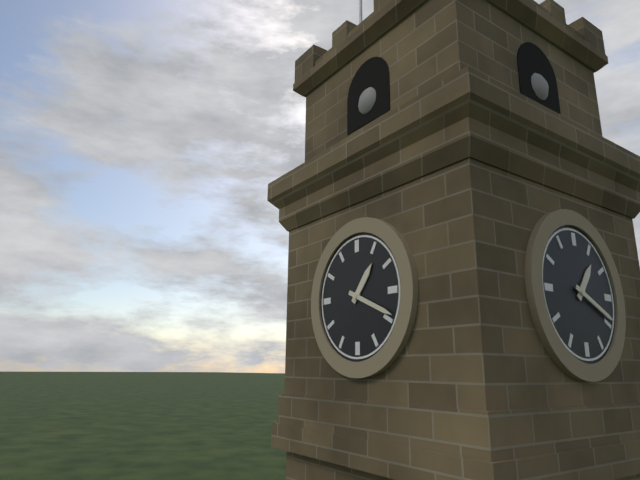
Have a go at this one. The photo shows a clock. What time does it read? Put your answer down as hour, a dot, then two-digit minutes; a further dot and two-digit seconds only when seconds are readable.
1.19
